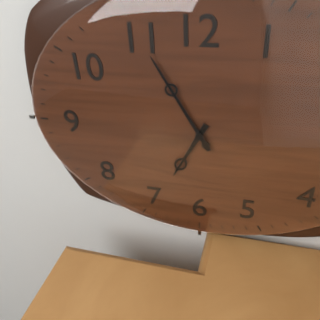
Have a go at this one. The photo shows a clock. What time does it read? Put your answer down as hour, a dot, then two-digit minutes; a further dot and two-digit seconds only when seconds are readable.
6.55
